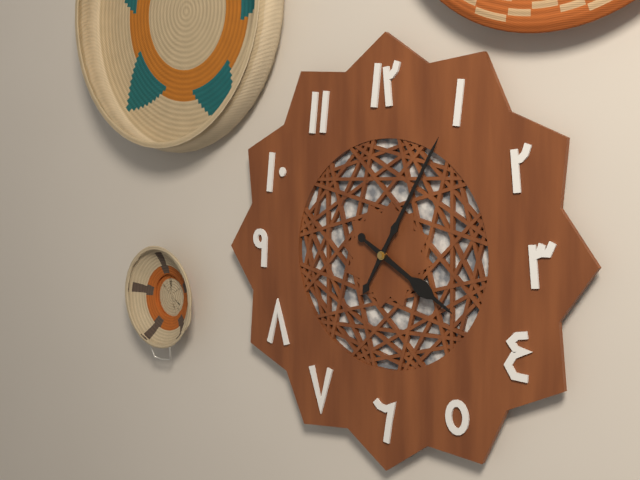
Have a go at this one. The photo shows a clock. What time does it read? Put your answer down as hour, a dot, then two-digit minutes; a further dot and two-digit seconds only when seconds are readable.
4.05
